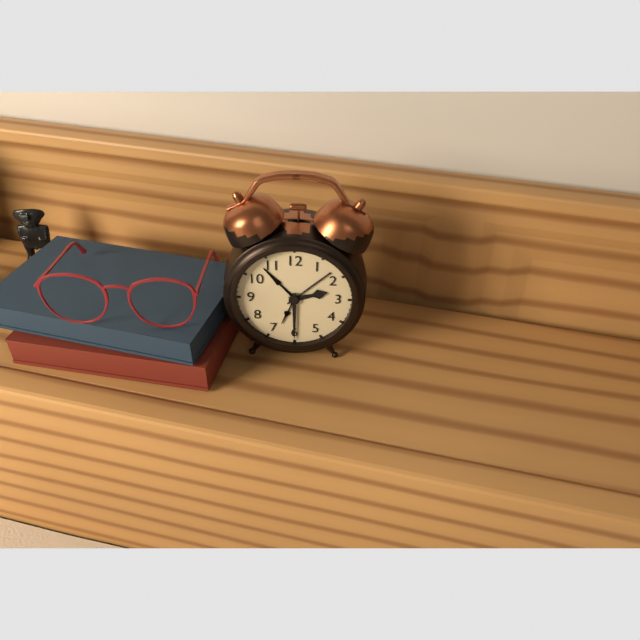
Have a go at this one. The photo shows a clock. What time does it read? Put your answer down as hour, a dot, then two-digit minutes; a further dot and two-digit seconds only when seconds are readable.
2.30
